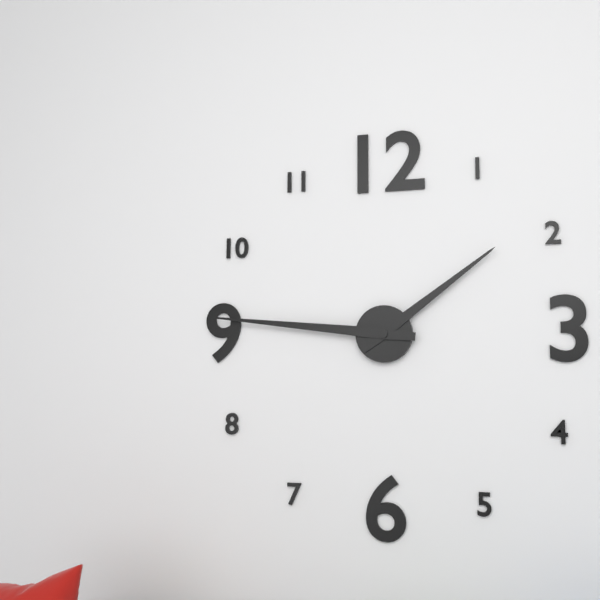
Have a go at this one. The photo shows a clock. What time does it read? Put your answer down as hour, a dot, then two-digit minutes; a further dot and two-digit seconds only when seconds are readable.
1.46
